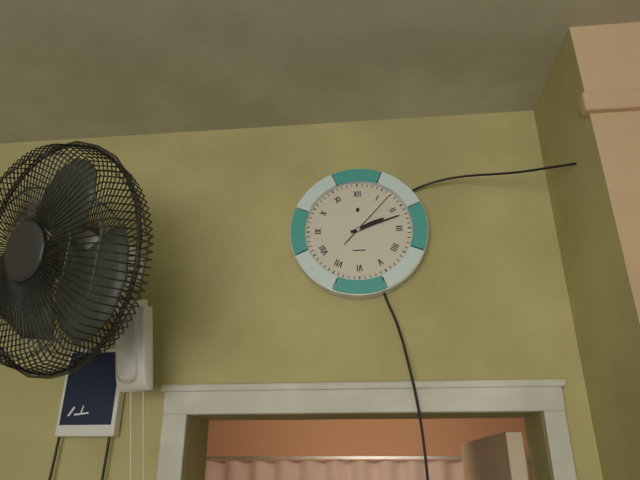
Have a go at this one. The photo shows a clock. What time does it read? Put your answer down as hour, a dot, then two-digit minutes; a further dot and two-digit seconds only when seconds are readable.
2.12.07
